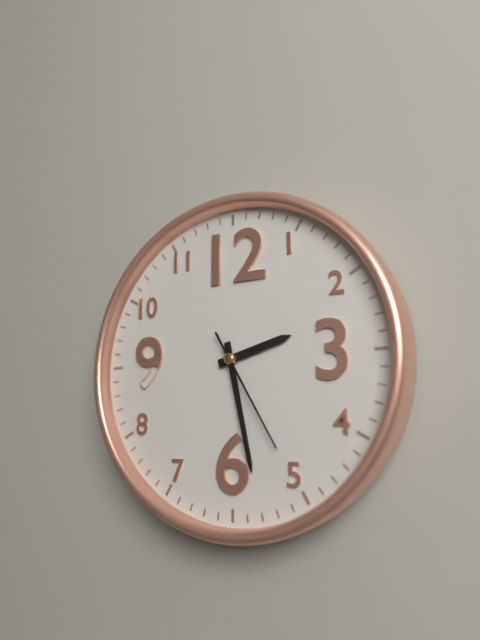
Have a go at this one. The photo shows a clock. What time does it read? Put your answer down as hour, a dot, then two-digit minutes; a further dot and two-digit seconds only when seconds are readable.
2.28.25
